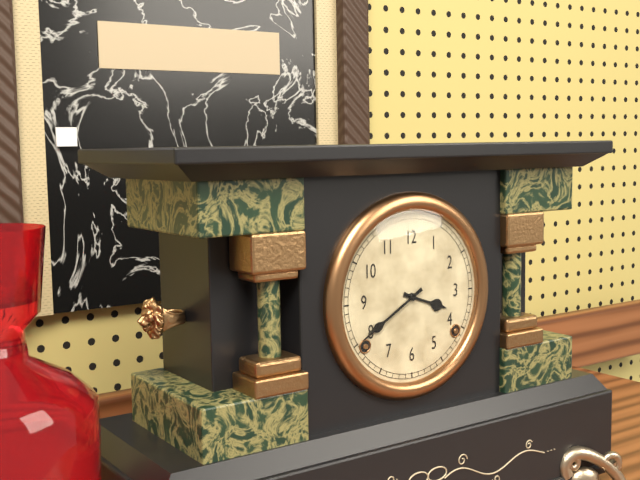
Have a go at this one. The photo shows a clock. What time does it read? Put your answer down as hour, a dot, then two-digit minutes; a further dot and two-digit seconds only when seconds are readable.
3.40
